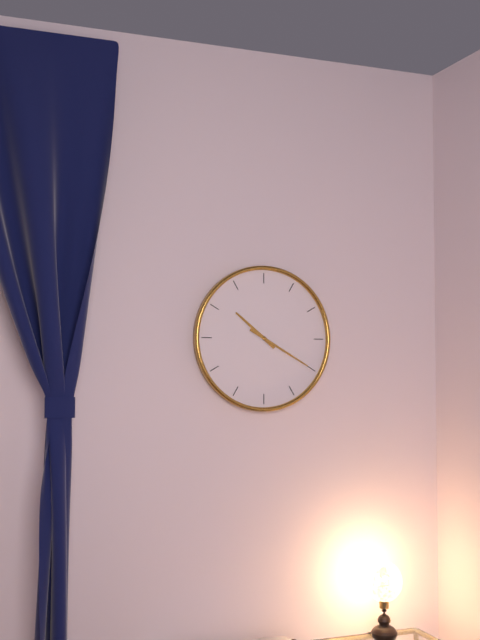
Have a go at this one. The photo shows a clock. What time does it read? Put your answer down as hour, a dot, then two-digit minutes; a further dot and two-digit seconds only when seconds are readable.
10.20
